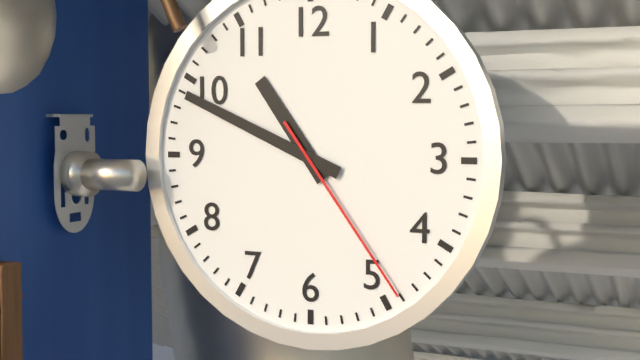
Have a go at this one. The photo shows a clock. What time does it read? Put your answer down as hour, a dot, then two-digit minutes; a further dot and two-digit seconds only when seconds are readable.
10.49.24
